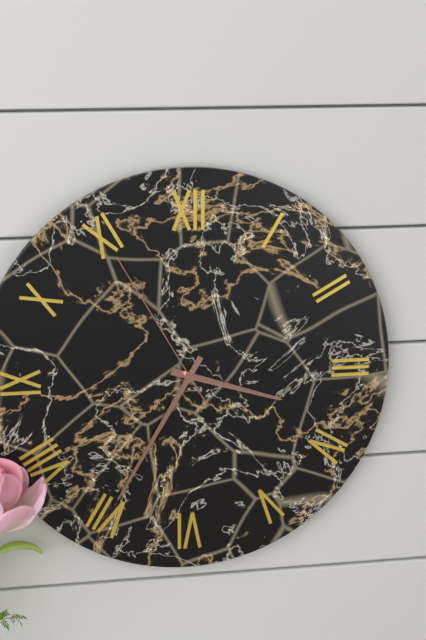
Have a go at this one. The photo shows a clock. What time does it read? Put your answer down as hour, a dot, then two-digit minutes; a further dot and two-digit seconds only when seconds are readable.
3.35.55
